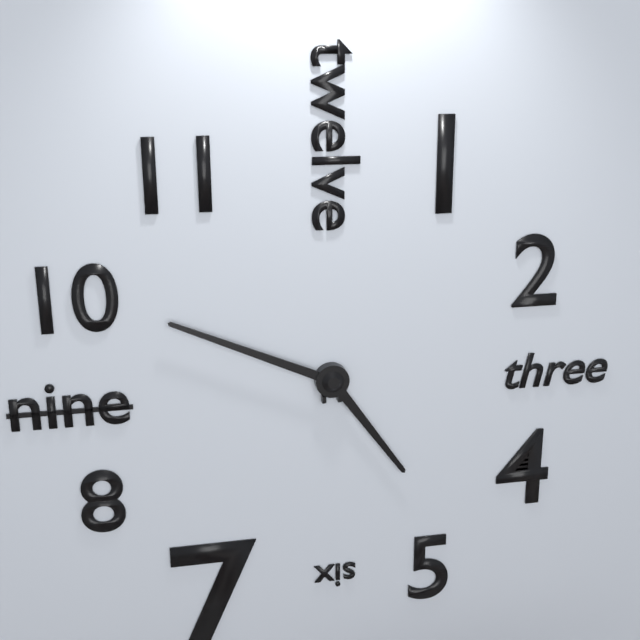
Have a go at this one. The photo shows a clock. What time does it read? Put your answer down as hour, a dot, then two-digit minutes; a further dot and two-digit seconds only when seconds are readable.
4.49
